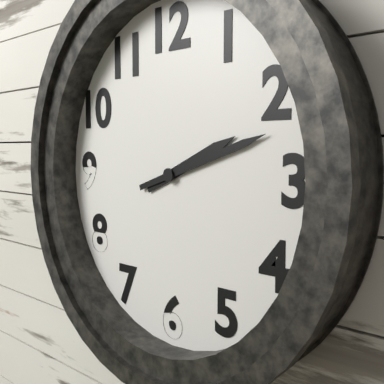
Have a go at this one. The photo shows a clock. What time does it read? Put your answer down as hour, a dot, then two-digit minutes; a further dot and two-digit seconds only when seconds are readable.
2.12
